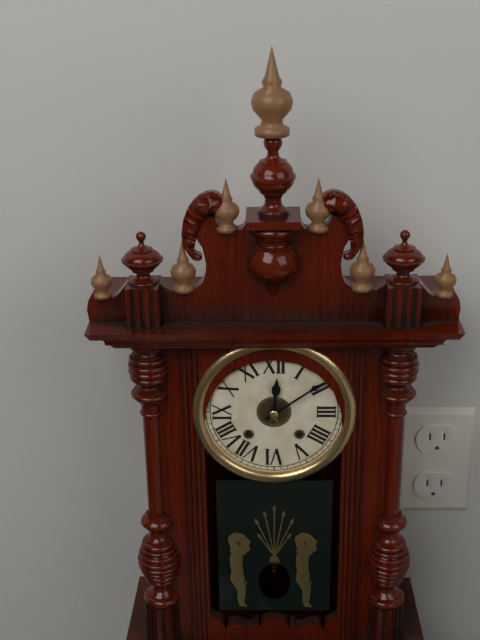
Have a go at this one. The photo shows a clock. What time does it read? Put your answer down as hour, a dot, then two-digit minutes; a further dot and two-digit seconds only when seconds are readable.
12.09
